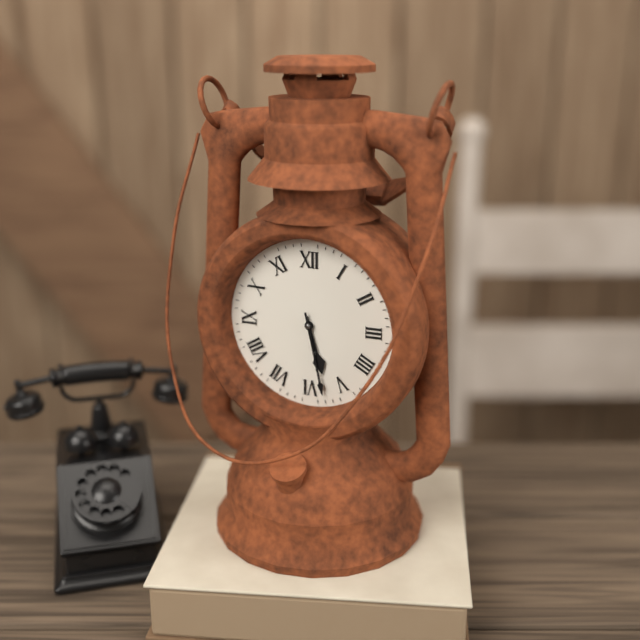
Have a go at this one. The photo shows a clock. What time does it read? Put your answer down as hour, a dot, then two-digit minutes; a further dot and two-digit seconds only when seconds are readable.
5.28
